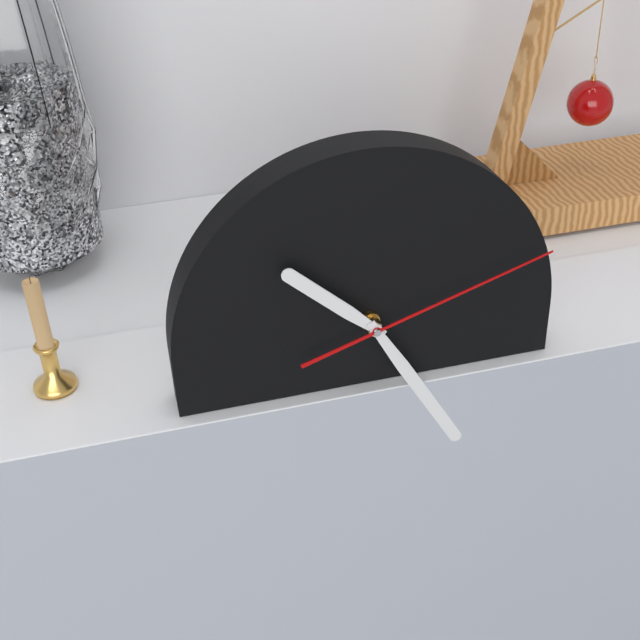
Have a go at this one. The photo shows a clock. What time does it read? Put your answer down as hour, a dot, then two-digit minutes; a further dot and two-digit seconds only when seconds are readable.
10.25.12
